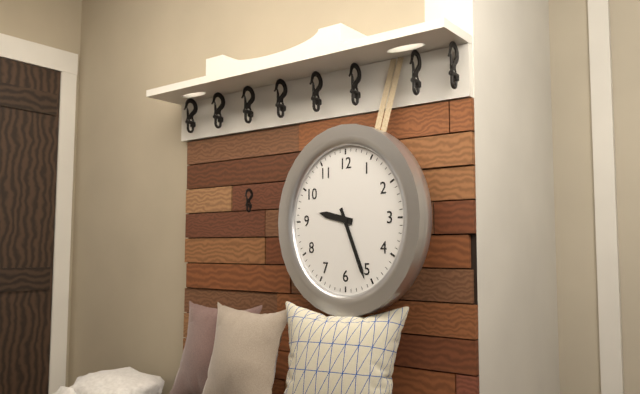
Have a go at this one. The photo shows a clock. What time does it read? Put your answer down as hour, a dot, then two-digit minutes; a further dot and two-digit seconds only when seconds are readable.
9.26
